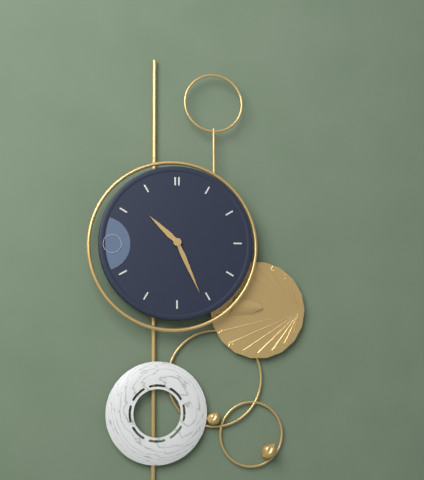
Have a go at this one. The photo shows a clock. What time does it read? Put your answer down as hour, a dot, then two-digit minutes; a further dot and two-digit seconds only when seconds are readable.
10.26
